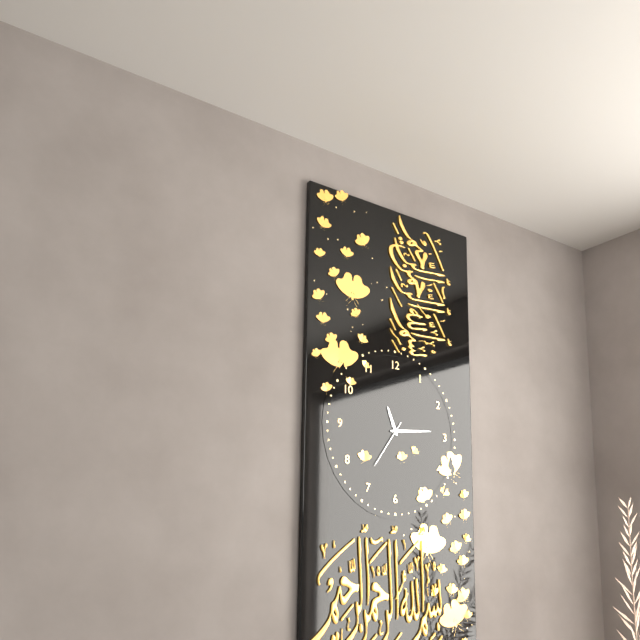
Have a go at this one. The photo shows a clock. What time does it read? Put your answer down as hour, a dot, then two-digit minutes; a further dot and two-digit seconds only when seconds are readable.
11.14.36
